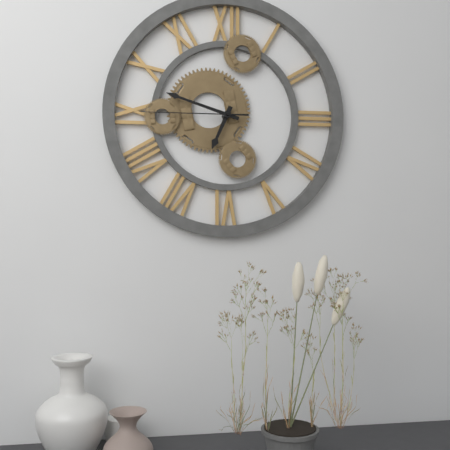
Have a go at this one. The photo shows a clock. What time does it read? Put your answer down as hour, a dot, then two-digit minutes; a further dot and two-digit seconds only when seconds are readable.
6.48.45
